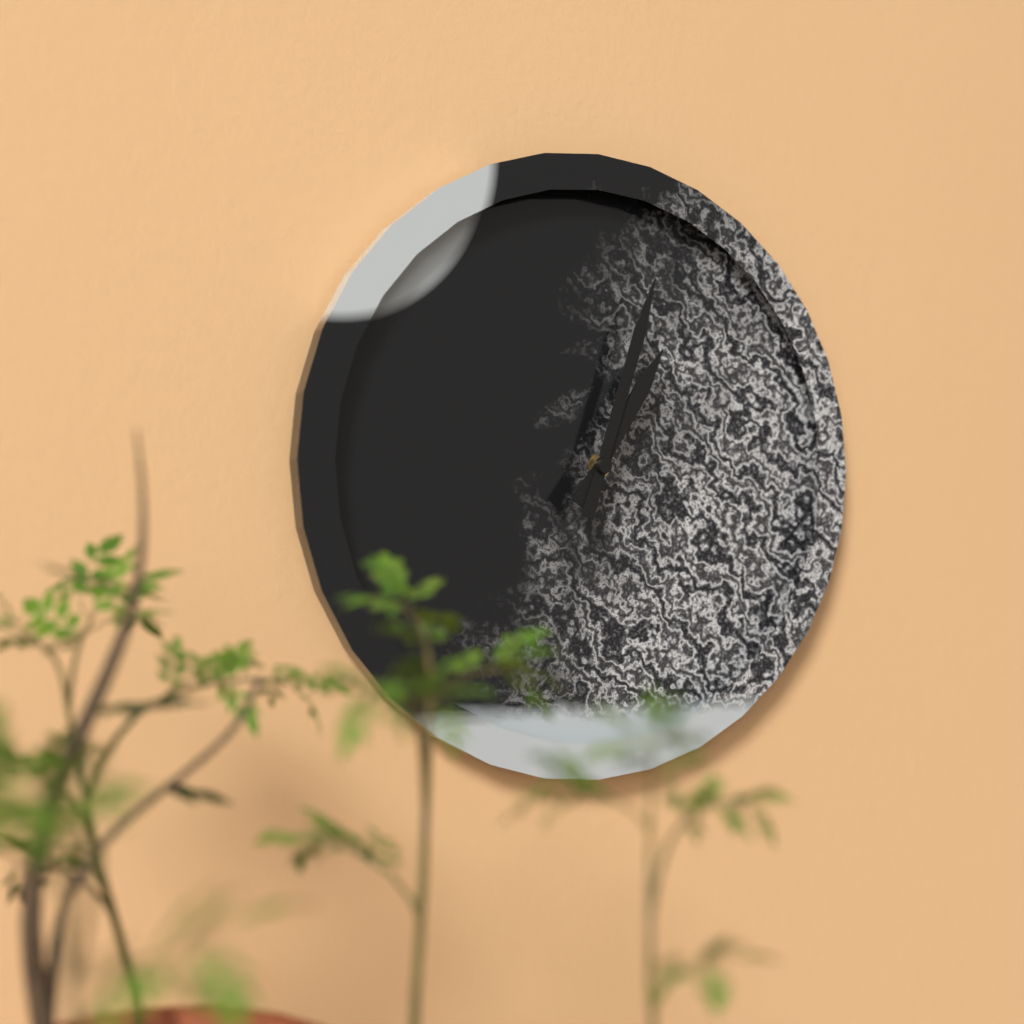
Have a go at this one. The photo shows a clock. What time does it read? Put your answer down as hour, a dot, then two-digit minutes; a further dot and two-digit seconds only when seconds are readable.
1.03
